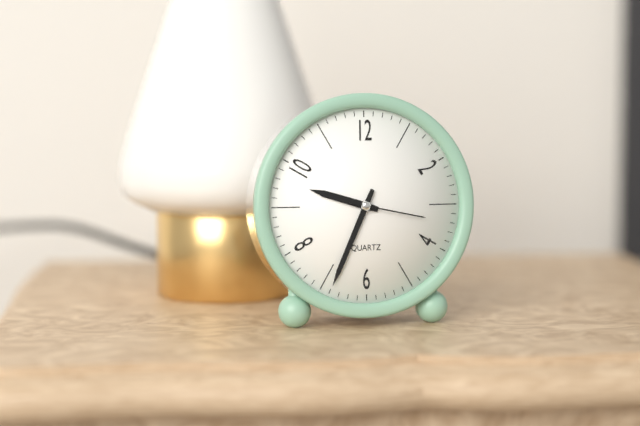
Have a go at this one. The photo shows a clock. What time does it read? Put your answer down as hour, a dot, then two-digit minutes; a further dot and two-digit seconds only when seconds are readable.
9.34.17
